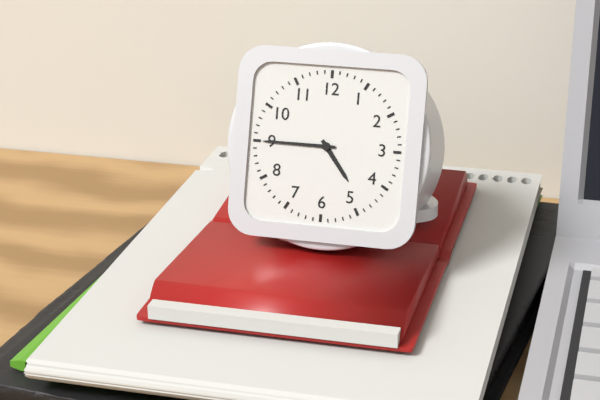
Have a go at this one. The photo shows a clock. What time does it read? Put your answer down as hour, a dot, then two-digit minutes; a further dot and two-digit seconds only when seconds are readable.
4.45
